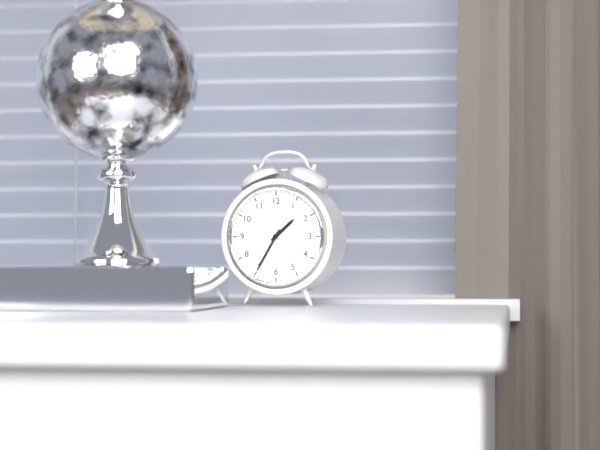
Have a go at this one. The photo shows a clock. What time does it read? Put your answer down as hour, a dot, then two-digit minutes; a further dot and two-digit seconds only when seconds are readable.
1.35
